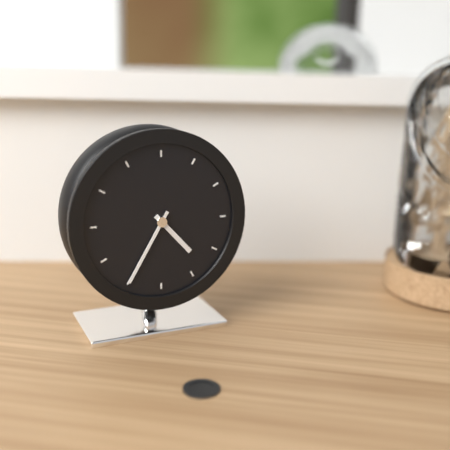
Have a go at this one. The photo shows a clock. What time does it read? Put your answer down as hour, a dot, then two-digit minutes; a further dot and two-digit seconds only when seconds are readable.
4.35
